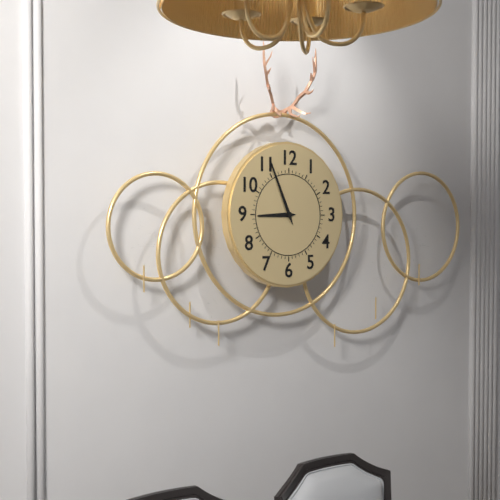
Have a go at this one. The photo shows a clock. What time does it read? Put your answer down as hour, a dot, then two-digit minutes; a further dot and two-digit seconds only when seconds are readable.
8.56
